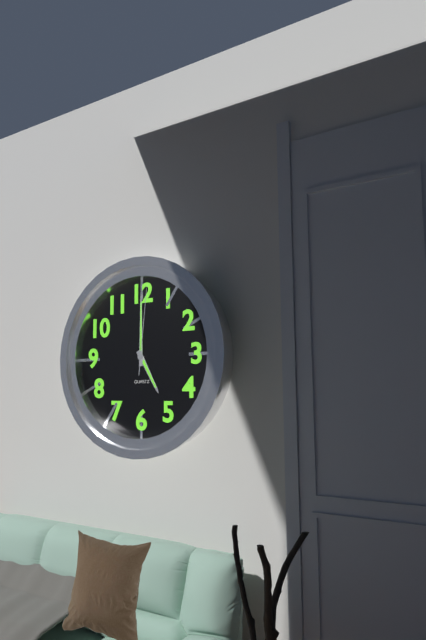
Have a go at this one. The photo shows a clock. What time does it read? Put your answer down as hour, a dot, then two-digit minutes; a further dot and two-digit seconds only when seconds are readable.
5.00.01
